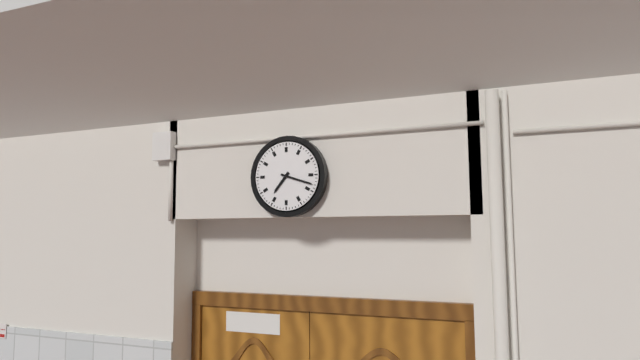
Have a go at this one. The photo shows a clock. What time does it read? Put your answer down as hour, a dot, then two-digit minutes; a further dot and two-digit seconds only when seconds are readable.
7.18
